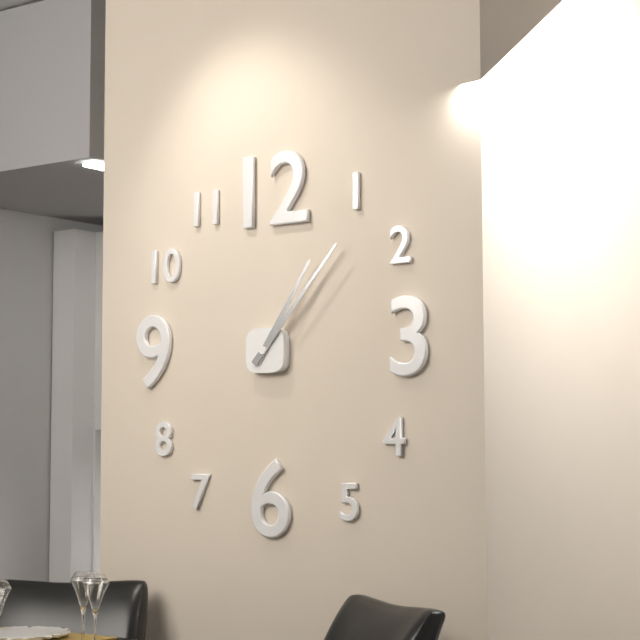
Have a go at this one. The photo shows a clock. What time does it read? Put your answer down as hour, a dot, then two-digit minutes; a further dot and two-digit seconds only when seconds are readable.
1.07
